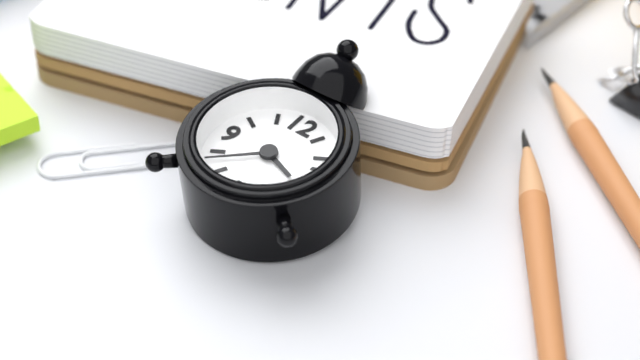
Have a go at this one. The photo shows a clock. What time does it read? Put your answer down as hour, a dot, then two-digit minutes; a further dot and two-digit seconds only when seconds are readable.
3.38
